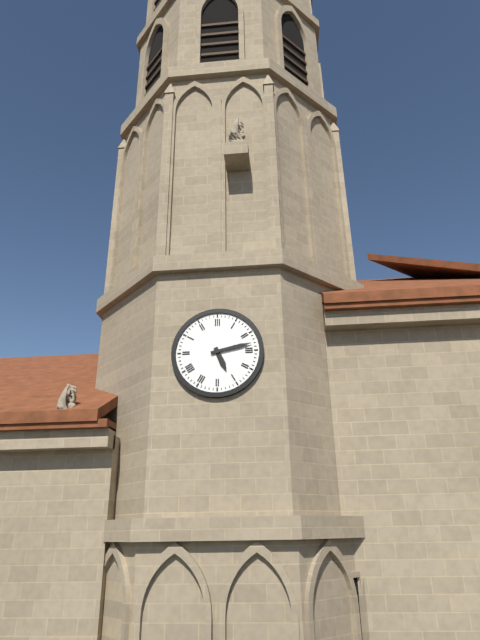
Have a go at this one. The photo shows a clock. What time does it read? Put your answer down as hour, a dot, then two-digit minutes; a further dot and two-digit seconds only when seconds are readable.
5.13
